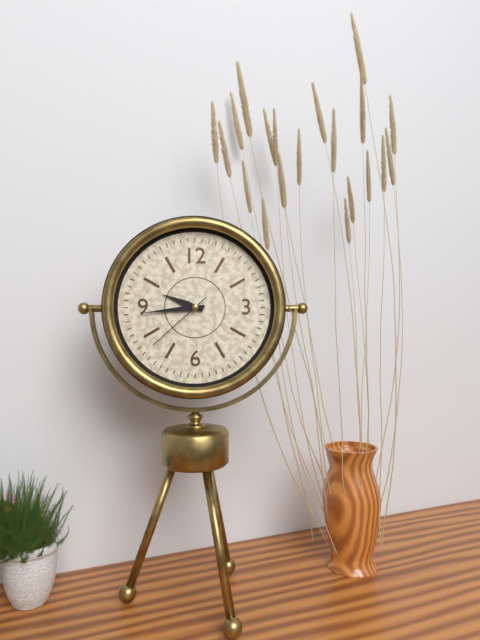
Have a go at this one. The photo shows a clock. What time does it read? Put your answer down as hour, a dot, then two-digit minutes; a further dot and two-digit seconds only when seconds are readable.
9.44.38
